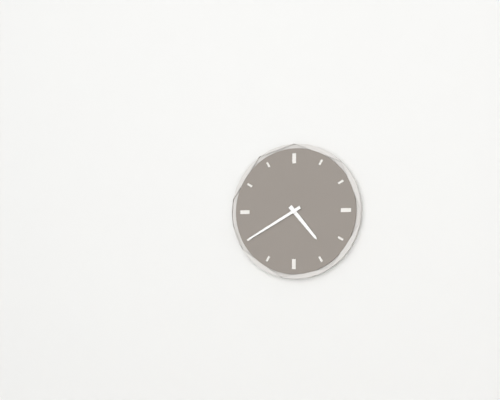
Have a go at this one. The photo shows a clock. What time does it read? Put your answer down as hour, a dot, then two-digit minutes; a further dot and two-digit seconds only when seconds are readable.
4.40
